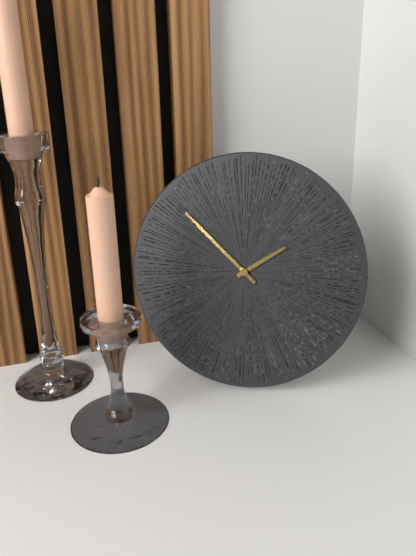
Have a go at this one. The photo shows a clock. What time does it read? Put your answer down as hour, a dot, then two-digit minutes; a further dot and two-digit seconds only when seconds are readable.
1.52
